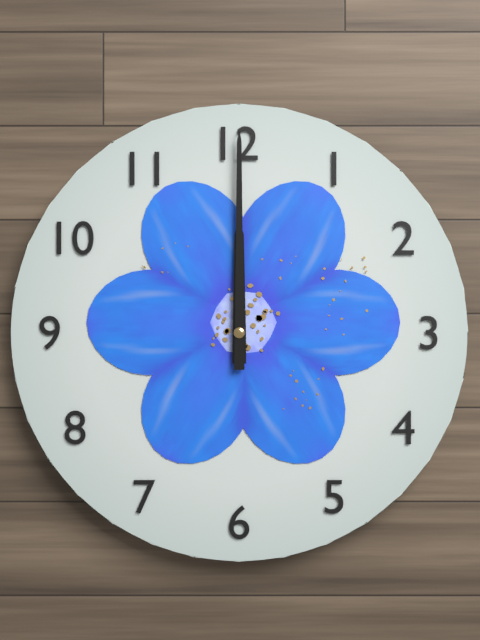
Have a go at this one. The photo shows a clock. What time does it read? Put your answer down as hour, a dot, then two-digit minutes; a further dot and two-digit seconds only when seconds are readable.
12.00
